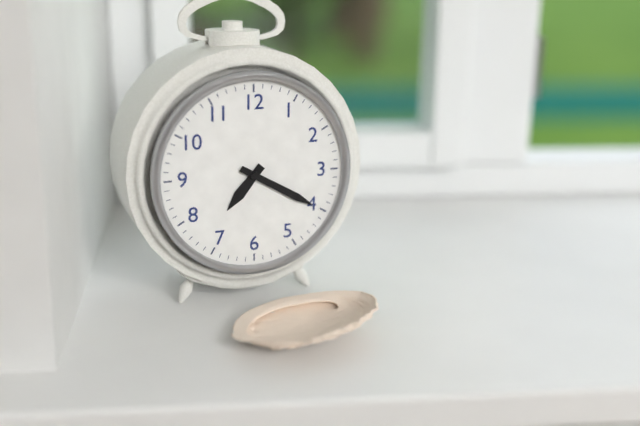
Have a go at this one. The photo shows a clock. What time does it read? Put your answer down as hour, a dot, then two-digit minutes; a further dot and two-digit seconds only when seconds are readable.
7.20
